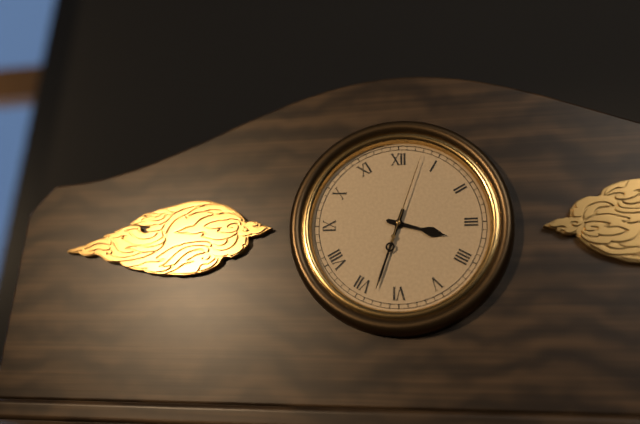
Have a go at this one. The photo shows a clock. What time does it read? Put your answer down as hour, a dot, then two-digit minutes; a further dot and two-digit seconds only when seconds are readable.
3.33.03
